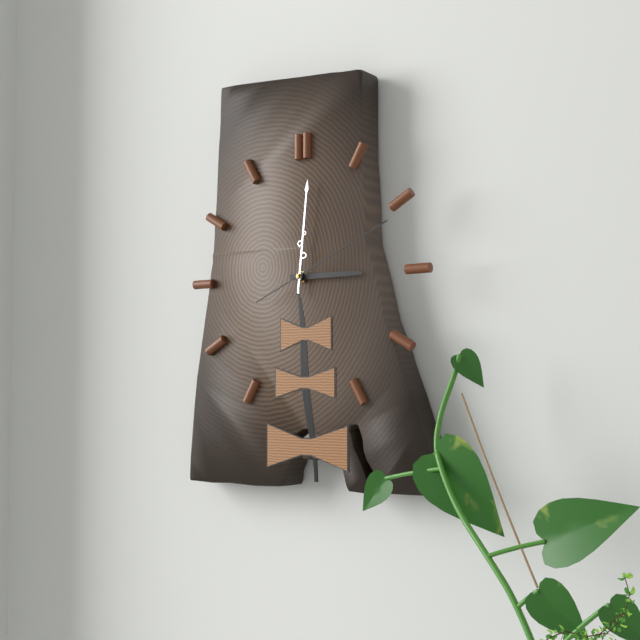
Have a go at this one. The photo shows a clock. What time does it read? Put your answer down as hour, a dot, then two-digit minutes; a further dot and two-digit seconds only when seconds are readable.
3.01.11
